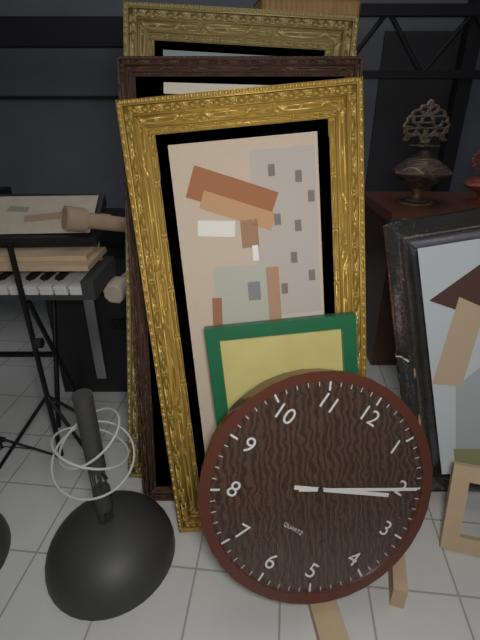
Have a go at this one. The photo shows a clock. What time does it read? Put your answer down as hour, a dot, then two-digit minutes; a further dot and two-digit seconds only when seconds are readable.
2.10
